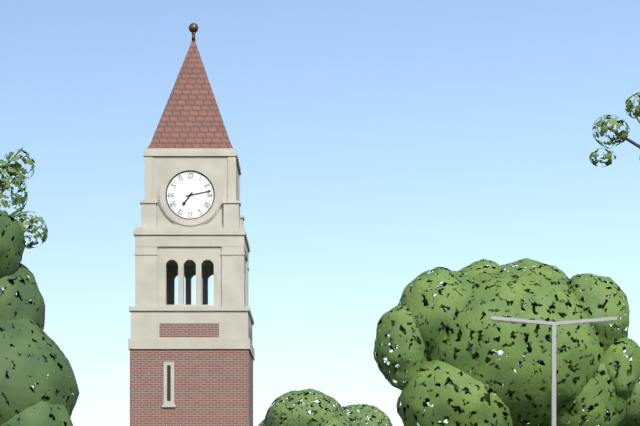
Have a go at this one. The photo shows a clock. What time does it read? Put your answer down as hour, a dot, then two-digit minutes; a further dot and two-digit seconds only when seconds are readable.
7.13
